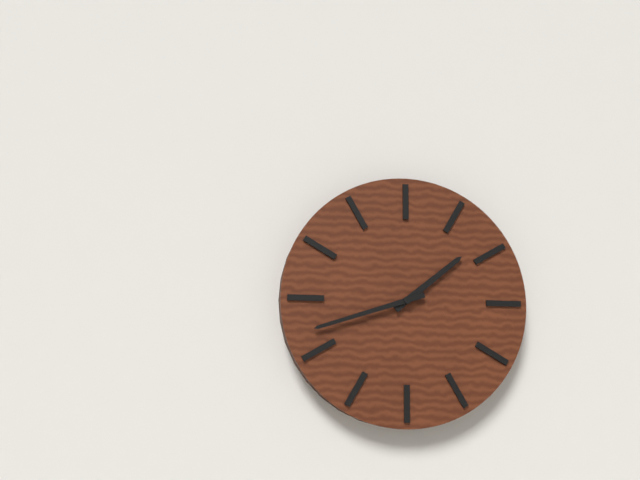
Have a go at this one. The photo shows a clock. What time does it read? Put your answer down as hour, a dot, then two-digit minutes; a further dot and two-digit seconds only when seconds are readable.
1.42
